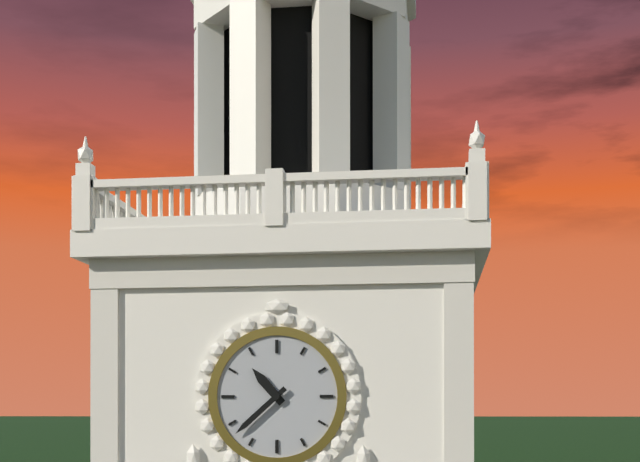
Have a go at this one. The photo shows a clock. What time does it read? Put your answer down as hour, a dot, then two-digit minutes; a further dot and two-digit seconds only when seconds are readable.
10.38
